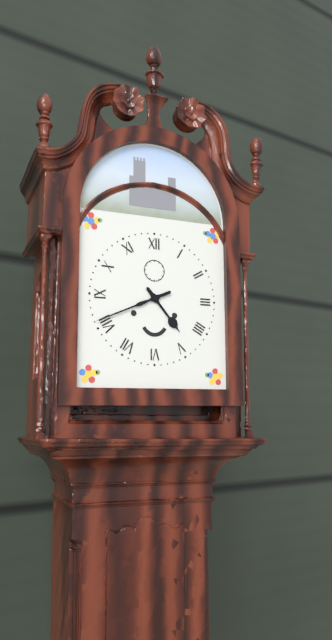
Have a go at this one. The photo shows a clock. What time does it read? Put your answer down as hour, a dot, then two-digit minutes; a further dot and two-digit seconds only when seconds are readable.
4.41
